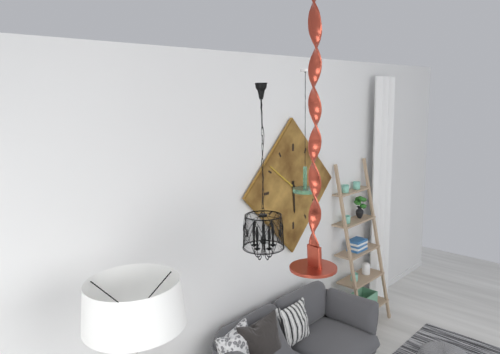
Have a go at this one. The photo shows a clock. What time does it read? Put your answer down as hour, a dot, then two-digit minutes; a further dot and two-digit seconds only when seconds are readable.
5.51
